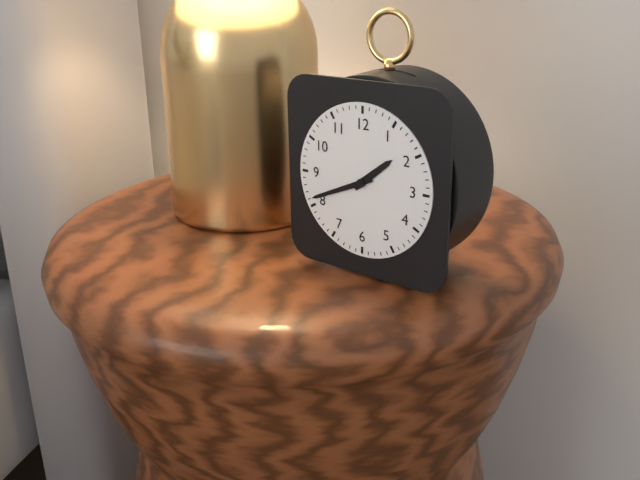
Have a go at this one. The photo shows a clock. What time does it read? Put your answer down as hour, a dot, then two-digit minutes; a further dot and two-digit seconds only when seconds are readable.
1.41
